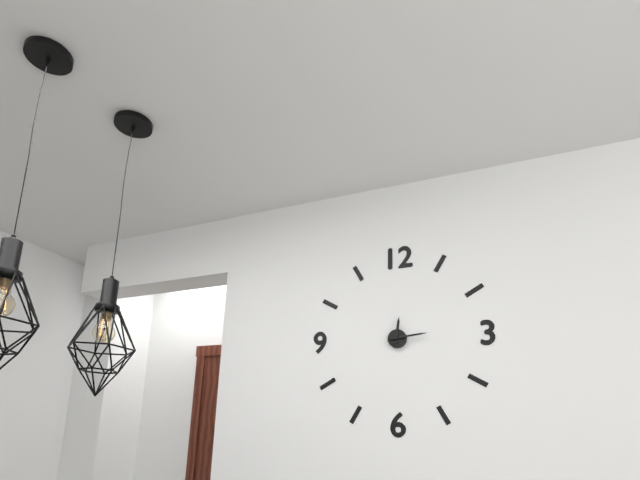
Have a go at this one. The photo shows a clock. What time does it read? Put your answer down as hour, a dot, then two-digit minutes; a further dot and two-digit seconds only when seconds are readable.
12.14
